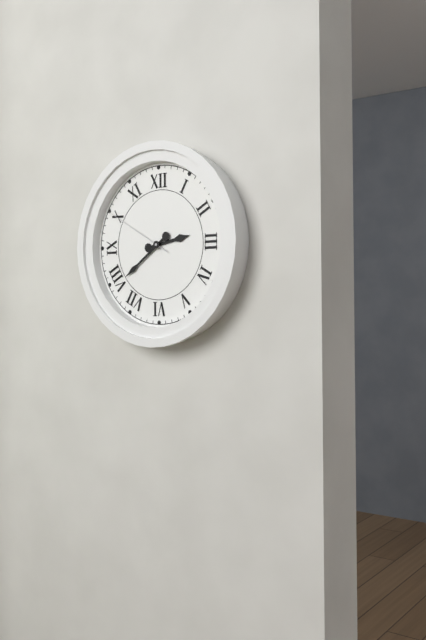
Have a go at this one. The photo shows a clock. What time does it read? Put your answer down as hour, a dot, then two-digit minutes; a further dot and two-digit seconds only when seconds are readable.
2.39.50
